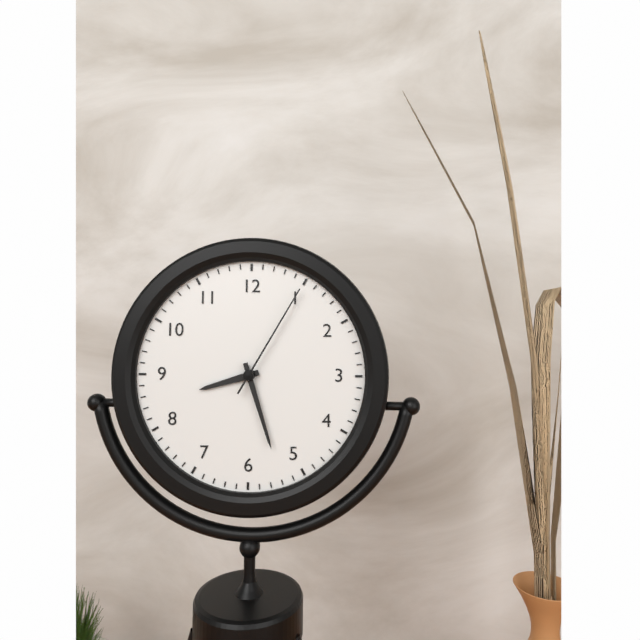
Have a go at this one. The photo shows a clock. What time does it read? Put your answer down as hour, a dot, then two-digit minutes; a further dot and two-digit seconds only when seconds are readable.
8.27.05
